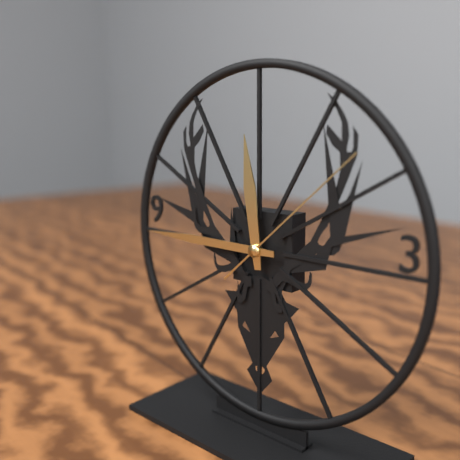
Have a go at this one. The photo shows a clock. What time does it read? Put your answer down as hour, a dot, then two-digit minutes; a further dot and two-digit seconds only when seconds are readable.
11.45.08
